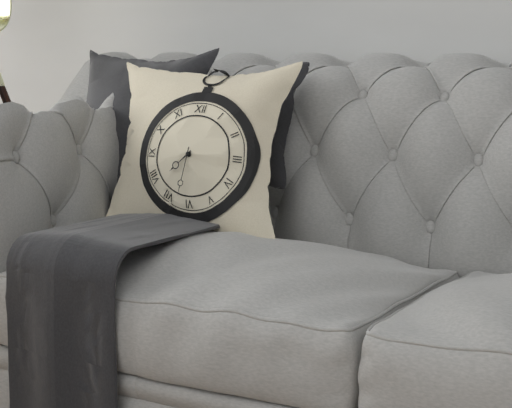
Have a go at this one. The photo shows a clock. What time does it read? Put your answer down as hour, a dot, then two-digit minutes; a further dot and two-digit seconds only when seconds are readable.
7.31
